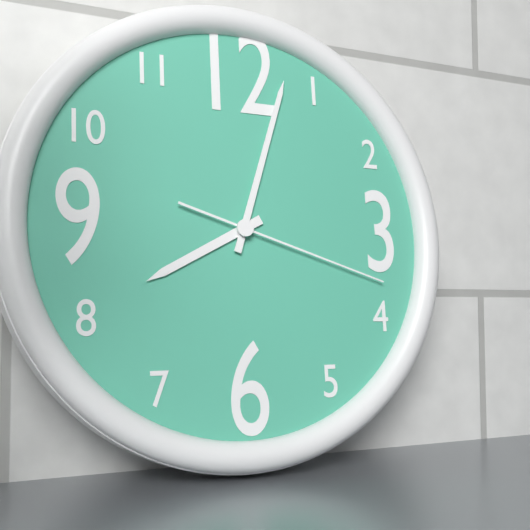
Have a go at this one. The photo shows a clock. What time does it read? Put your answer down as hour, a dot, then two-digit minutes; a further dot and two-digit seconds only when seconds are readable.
8.03.18
